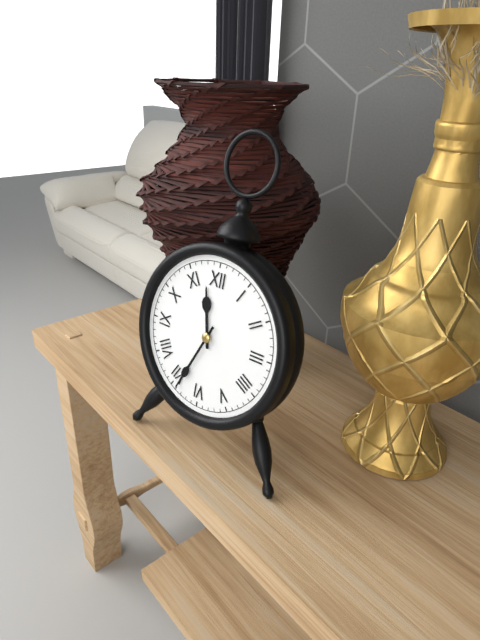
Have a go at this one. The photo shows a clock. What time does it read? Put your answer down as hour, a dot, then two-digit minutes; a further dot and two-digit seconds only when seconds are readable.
11.34
